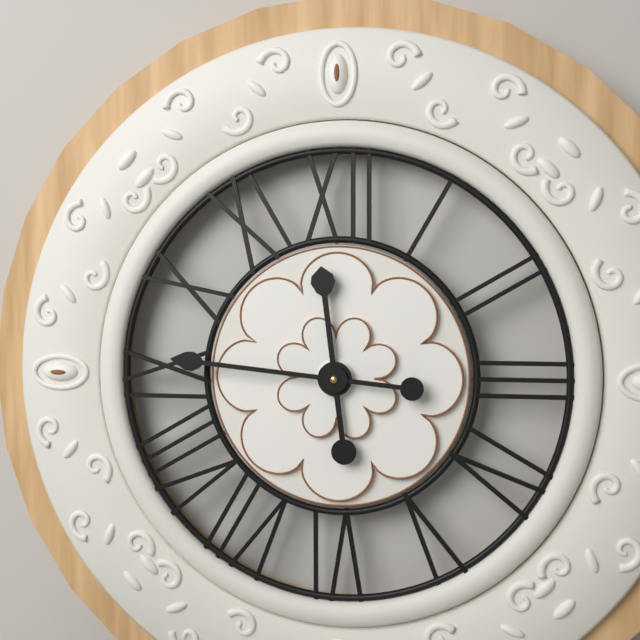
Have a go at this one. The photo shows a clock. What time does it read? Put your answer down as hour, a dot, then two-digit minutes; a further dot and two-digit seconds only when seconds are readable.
11.46
